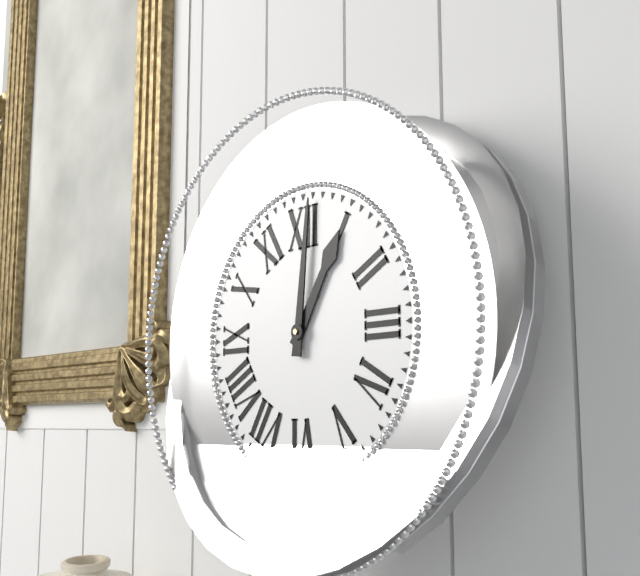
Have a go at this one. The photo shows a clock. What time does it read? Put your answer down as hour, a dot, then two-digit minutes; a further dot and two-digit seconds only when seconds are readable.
1.01
